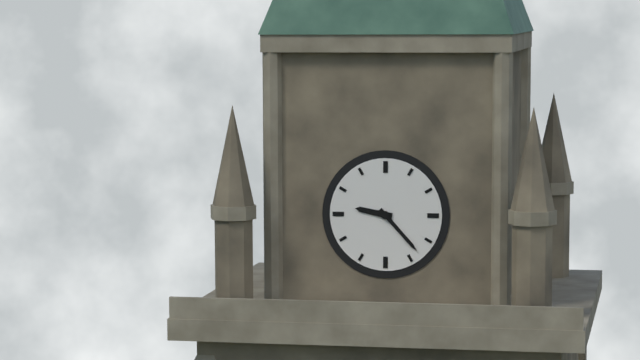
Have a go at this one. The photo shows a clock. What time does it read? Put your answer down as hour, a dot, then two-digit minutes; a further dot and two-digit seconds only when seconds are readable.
9.23
